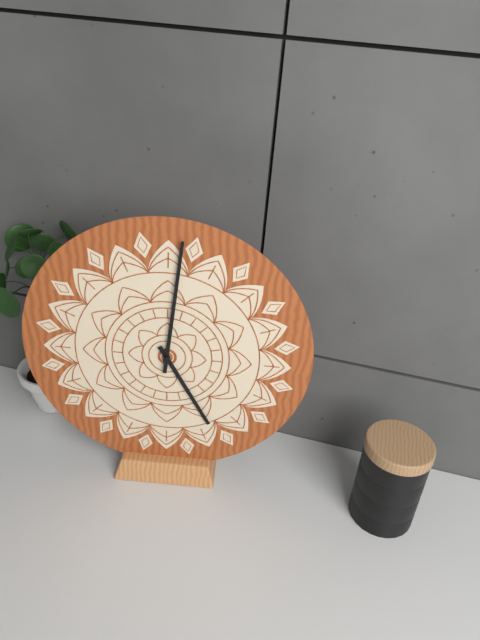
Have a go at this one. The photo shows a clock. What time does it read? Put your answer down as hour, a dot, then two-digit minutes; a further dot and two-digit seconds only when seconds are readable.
5.01
